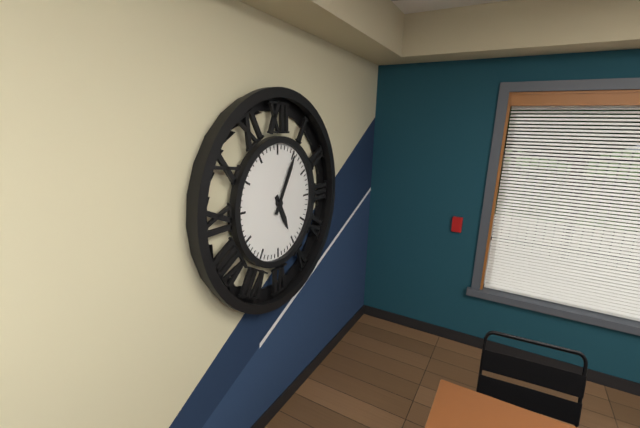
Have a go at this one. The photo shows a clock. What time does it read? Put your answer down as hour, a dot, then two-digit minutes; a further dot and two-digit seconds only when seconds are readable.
5.05
